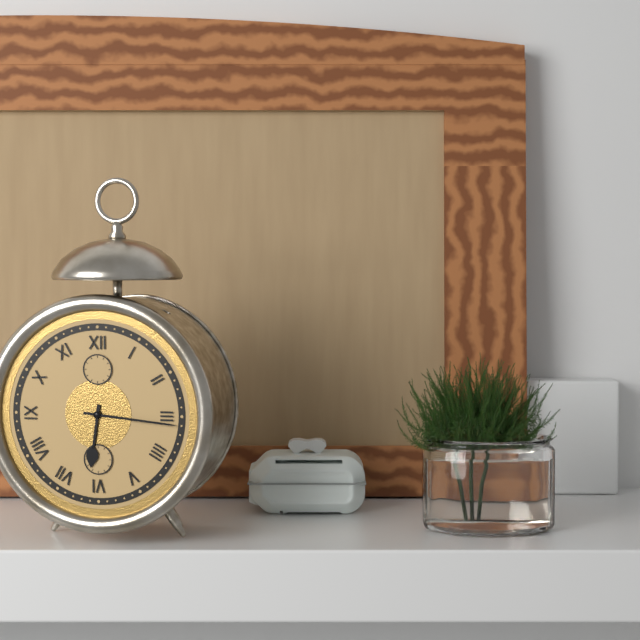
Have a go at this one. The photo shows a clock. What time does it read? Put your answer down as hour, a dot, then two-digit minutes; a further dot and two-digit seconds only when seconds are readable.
6.16
